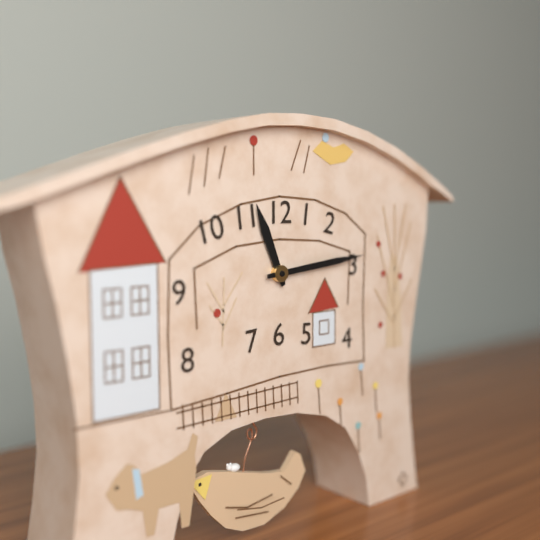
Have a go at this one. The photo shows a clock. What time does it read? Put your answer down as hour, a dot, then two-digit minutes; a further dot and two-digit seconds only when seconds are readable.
11.14
